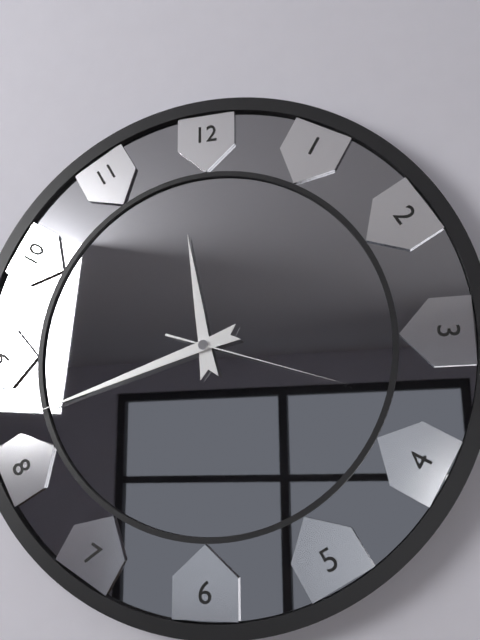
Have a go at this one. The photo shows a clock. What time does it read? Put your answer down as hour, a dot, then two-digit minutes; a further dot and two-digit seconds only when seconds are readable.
11.42.18
